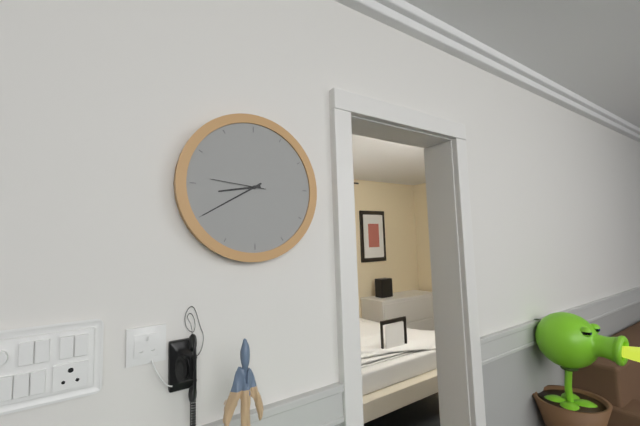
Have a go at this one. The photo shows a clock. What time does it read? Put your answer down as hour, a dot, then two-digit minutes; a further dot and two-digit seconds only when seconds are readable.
8.40.46
